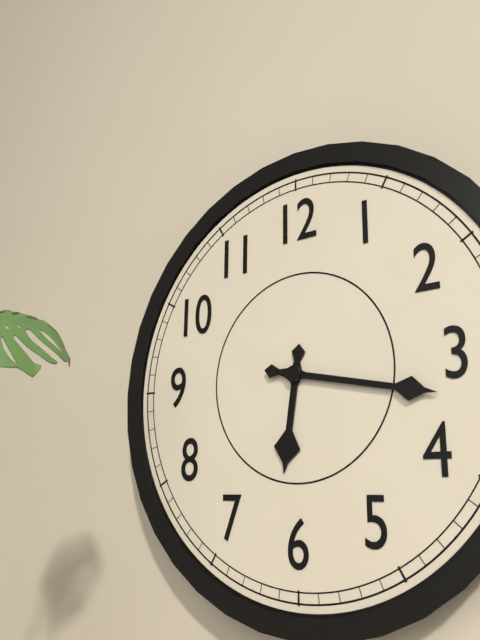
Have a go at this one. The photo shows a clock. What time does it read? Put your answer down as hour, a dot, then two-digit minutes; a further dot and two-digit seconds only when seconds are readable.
6.17
